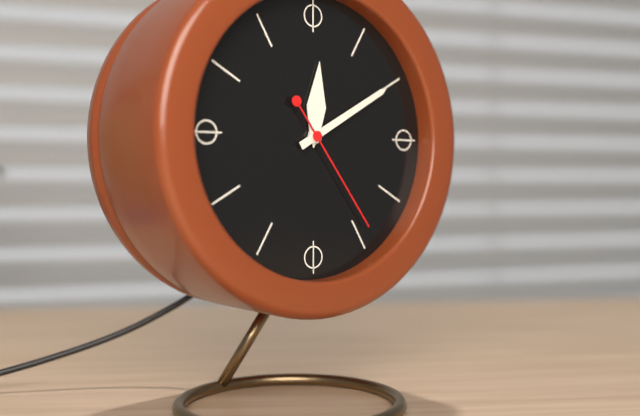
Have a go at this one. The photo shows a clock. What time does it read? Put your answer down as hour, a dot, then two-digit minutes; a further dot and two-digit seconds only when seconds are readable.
12.10.24
